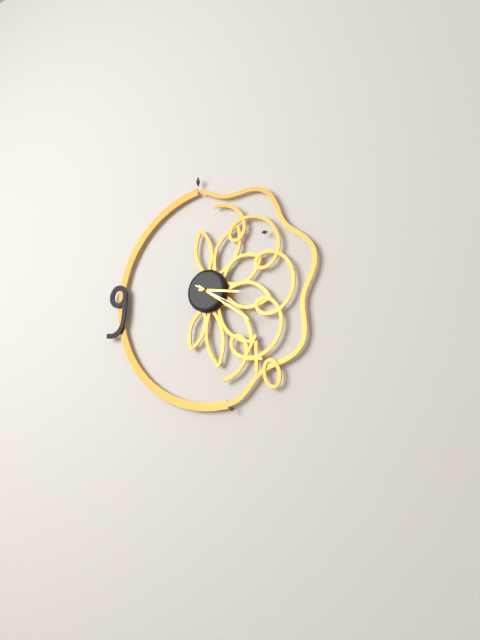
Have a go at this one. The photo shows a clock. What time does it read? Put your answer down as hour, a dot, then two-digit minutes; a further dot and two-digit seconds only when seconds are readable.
3.21
